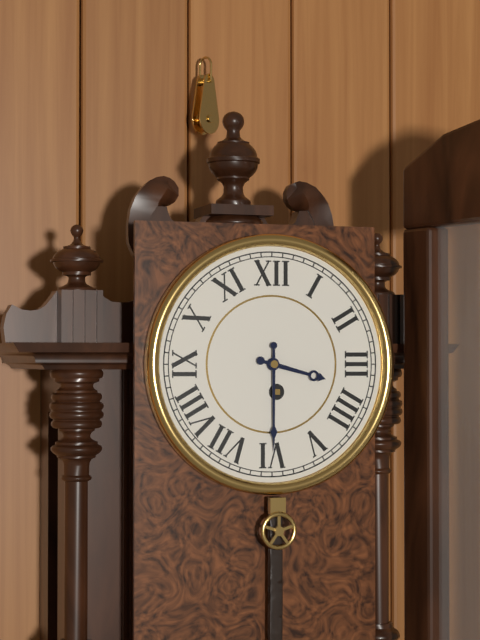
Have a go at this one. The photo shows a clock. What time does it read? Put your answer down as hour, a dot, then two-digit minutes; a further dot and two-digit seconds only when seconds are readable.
3.30
